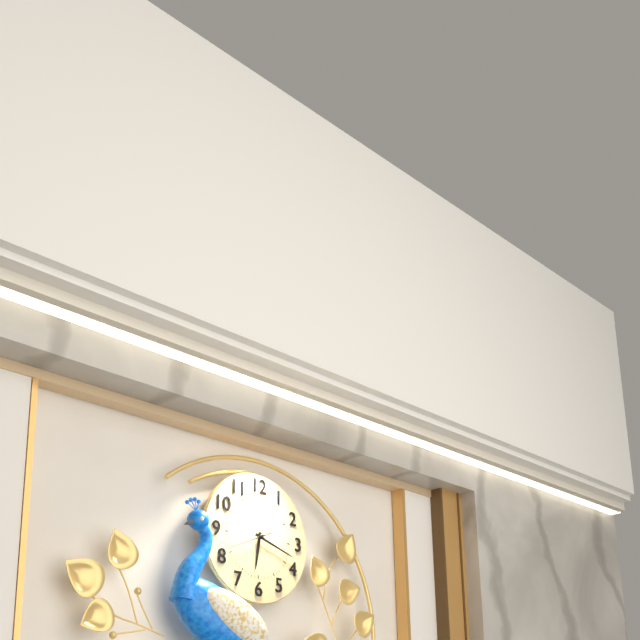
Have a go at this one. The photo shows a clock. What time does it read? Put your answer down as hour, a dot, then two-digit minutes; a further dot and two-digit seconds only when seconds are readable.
6.18
